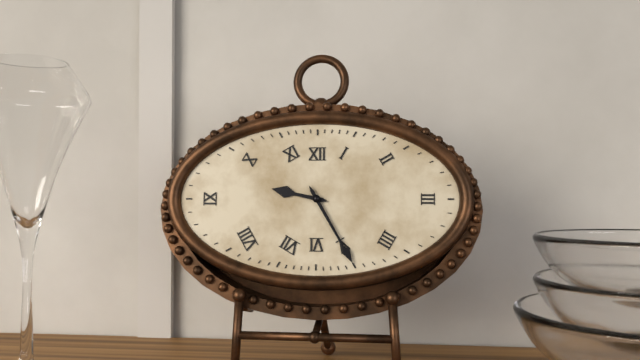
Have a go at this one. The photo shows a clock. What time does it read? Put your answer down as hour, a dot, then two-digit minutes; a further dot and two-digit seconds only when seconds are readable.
9.25
